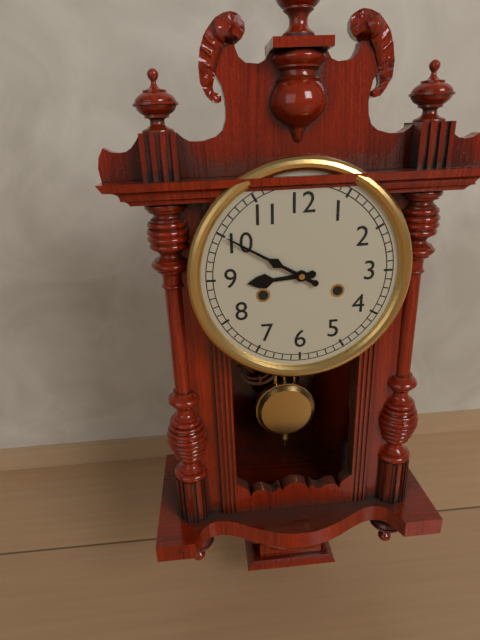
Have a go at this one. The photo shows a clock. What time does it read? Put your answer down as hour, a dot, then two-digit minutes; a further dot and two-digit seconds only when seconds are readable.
8.50
